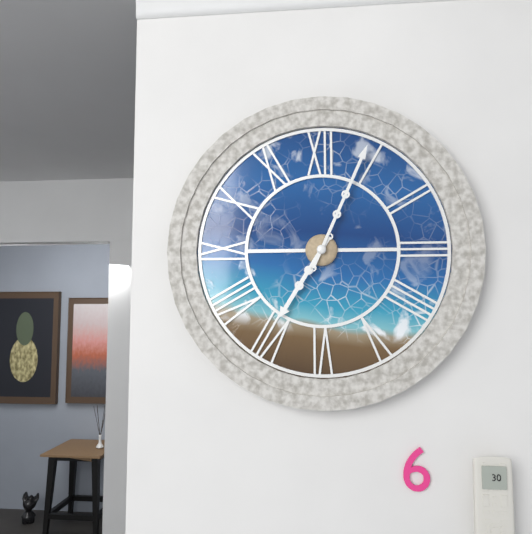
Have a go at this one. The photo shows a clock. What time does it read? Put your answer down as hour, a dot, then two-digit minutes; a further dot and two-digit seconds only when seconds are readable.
7.04
